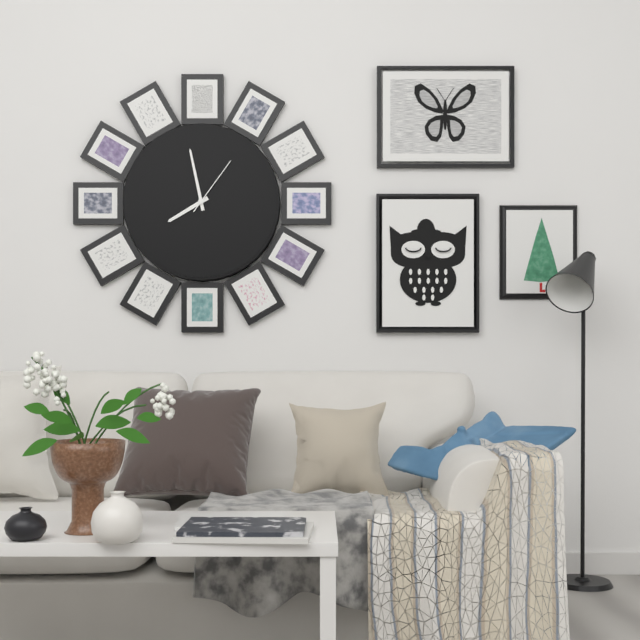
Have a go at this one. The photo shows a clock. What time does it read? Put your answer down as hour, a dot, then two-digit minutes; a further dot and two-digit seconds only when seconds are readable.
7.58.06
